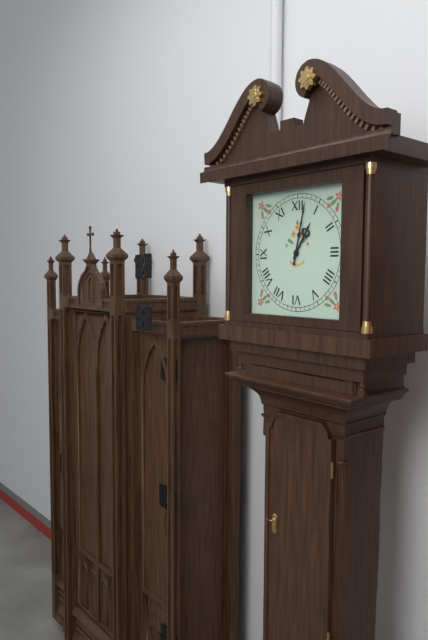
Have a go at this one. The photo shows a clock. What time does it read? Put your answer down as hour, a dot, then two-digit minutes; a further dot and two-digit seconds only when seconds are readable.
1.02
